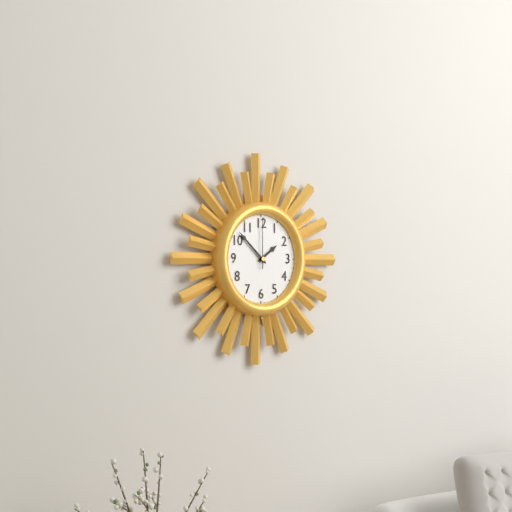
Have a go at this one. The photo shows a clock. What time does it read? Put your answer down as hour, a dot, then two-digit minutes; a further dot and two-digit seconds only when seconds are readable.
1.52.00
